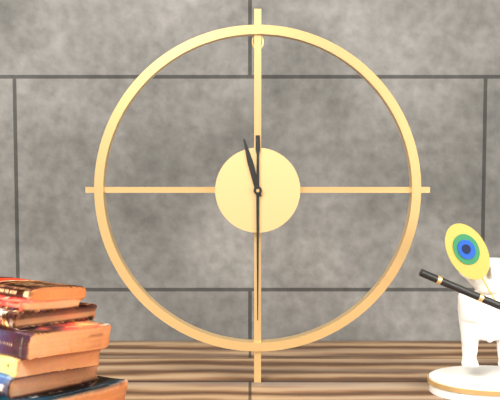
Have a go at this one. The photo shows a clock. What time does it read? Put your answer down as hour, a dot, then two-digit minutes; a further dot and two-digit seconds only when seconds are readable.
11.30
